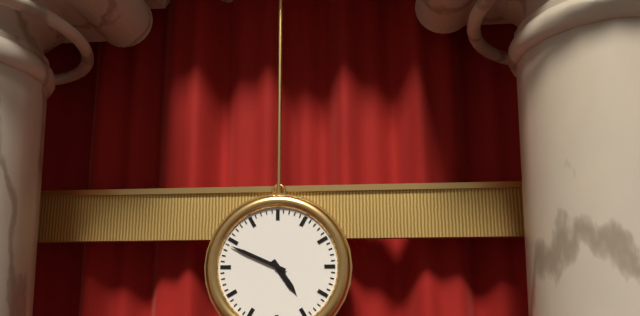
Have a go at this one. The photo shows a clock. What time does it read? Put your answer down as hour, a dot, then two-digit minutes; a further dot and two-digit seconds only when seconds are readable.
4.49
